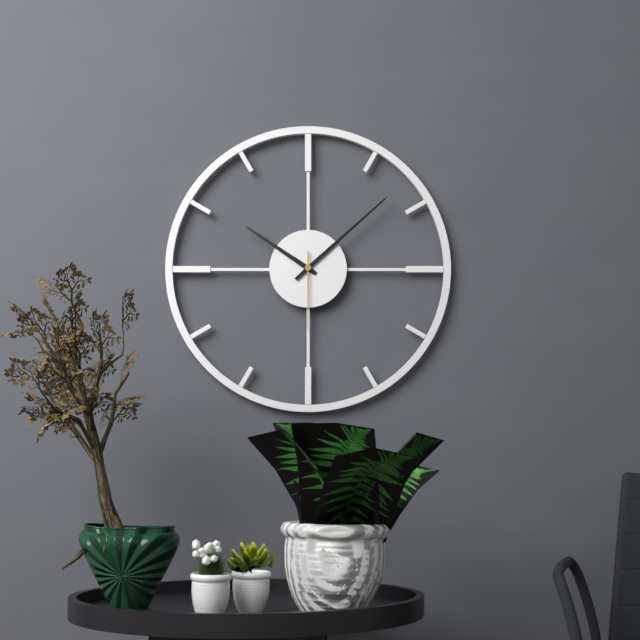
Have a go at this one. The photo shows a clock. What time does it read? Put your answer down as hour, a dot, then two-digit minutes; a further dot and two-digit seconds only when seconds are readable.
10.08.30
